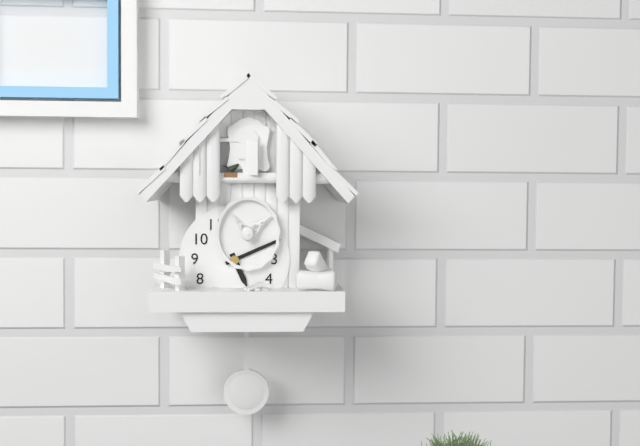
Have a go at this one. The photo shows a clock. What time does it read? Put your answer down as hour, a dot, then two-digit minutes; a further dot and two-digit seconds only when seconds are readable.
5.11
